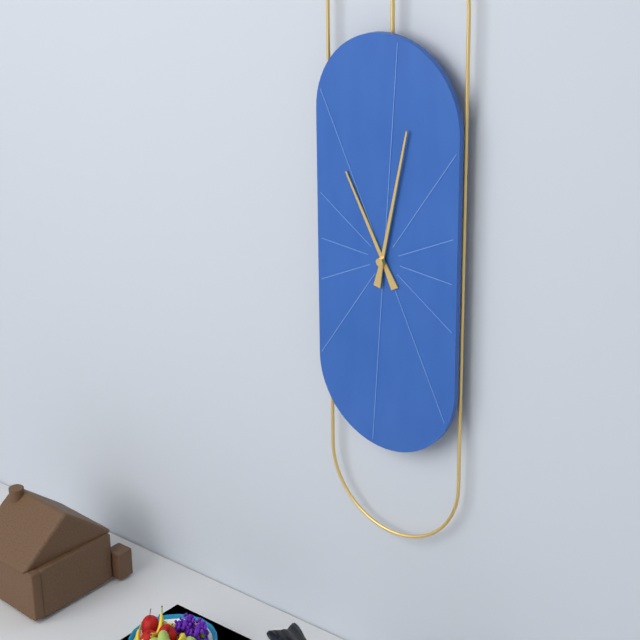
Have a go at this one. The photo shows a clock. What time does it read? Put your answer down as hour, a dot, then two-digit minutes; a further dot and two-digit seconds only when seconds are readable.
11.02
